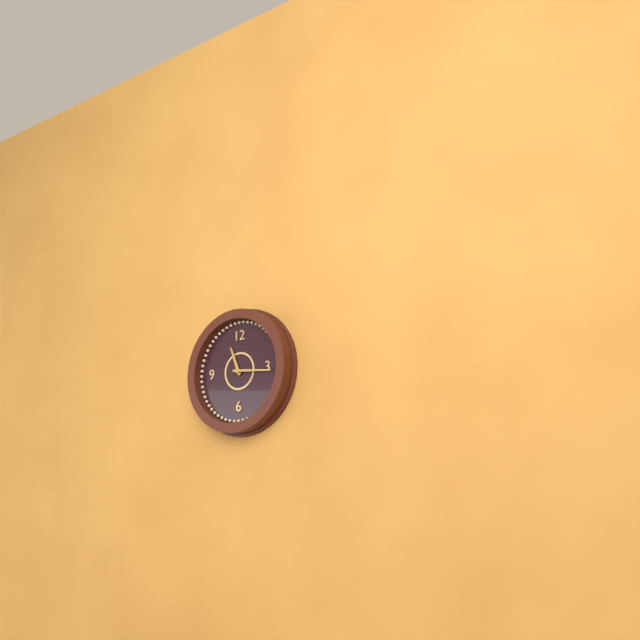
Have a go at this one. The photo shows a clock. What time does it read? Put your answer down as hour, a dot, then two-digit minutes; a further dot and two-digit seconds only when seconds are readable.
11.16
